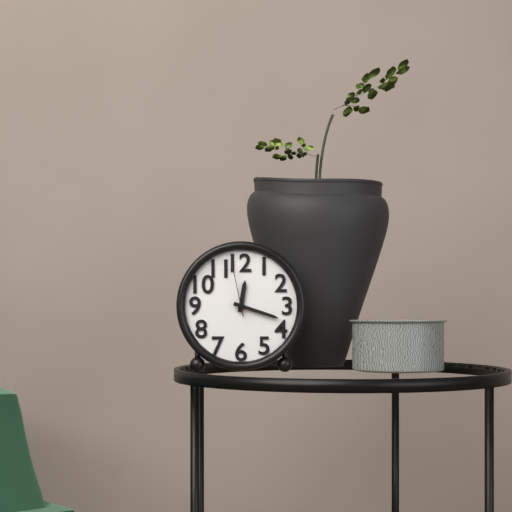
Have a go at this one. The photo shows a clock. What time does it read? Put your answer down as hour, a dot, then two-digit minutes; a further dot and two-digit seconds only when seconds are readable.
12.18.58
